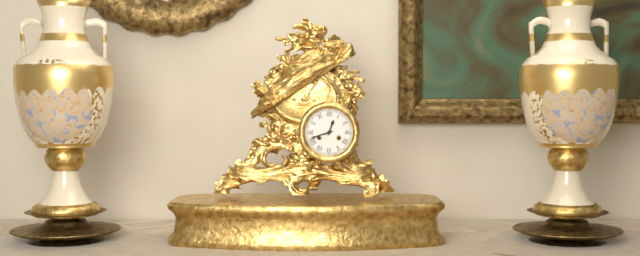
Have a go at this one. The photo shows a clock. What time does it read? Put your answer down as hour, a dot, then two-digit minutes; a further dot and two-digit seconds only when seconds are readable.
12.42
